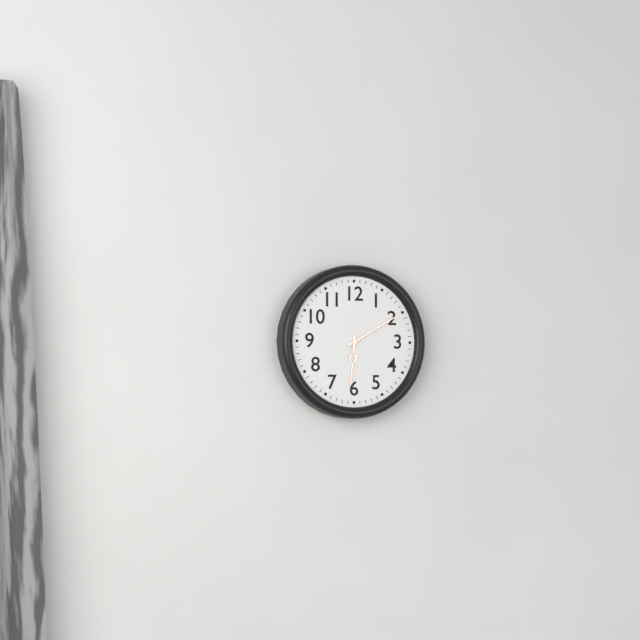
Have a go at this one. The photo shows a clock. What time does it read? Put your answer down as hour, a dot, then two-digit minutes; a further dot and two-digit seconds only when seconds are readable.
6.10
